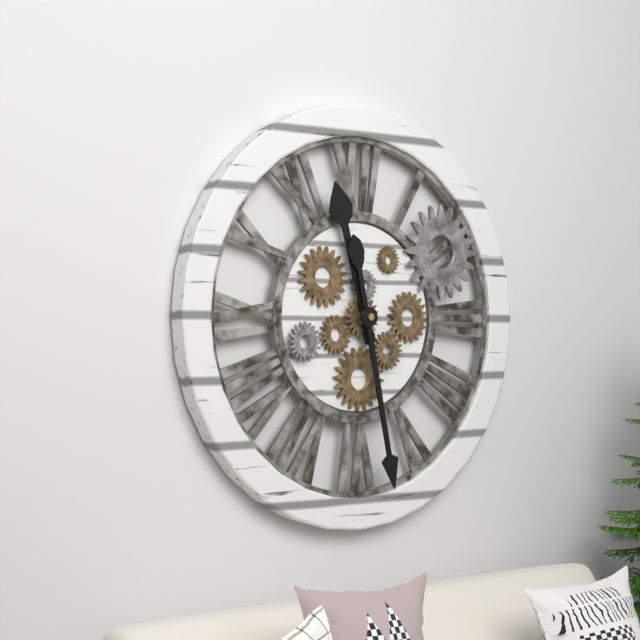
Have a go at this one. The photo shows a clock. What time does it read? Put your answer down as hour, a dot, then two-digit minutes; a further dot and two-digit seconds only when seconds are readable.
11.28
